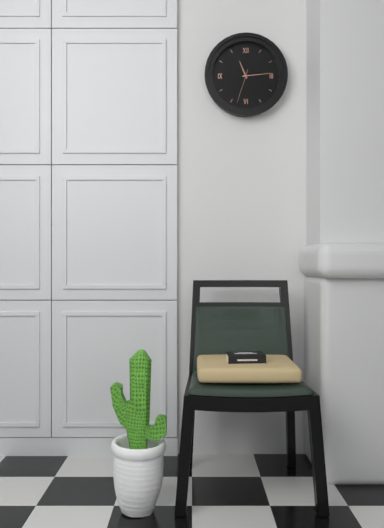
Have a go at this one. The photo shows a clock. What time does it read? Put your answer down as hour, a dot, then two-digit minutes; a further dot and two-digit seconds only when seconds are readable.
11.14
